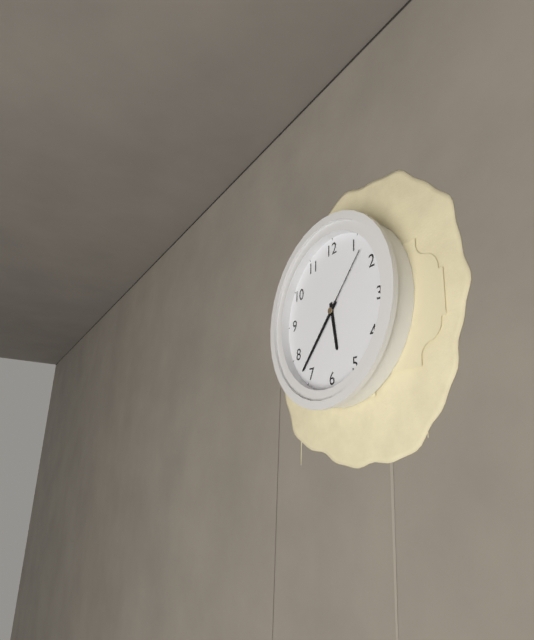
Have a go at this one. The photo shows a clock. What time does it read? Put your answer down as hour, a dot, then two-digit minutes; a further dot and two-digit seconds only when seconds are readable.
5.37.07
